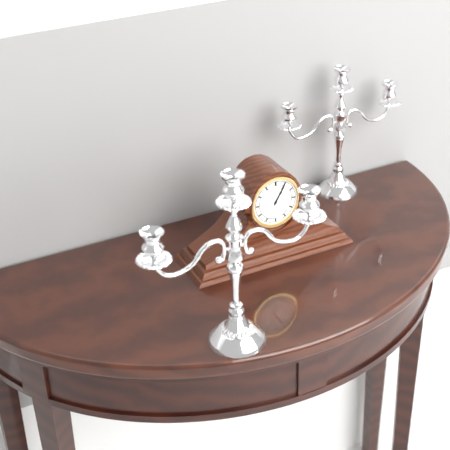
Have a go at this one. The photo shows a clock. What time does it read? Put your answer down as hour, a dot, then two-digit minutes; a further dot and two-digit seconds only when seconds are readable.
1.05
